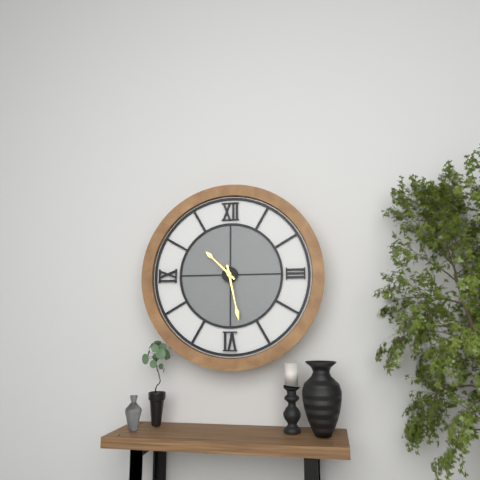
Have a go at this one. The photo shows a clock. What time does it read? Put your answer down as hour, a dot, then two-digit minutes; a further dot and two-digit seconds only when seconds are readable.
10.28
